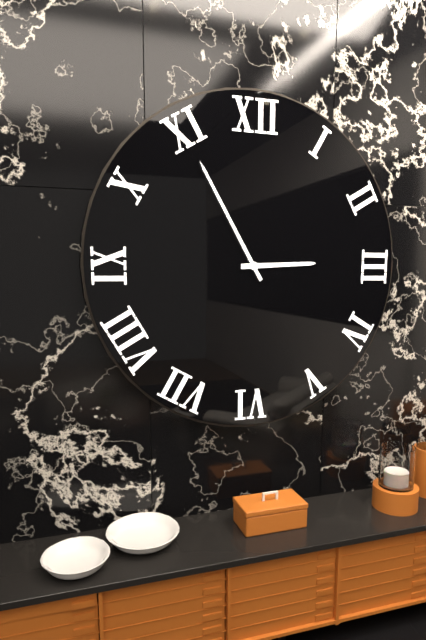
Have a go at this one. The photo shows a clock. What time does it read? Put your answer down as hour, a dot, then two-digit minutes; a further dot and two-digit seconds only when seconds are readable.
2.55
